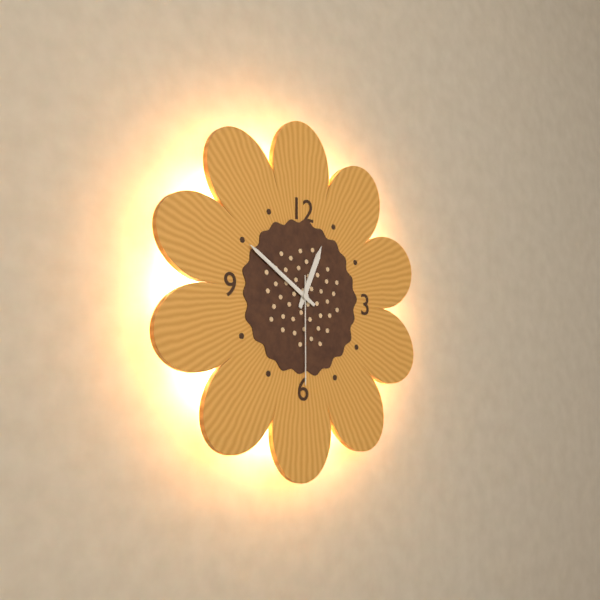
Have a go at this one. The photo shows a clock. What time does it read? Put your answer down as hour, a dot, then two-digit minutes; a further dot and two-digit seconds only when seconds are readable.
12.50.30
